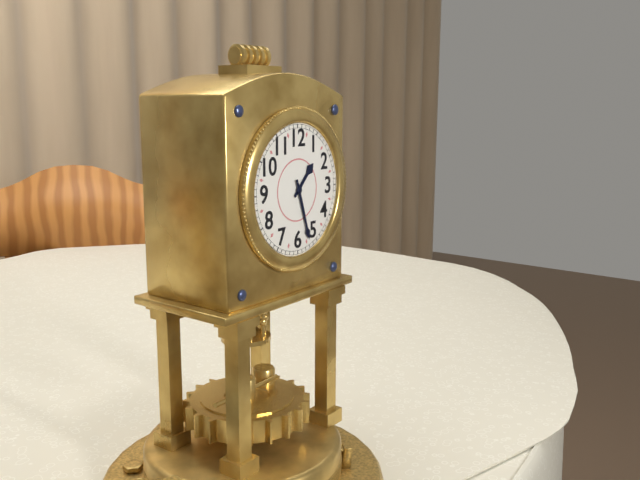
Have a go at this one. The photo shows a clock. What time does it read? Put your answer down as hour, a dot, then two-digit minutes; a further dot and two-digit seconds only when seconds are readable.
1.27
